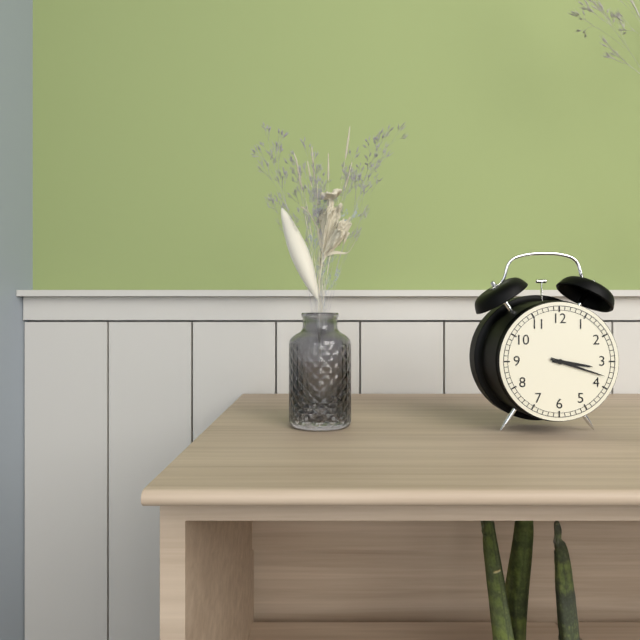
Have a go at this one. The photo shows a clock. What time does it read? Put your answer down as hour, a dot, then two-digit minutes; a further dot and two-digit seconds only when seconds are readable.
3.18
